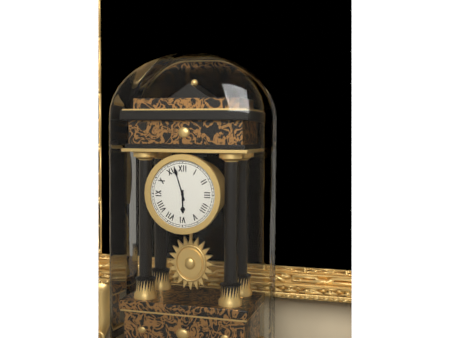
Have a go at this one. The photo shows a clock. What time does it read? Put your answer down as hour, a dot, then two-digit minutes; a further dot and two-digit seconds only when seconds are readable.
5.57
